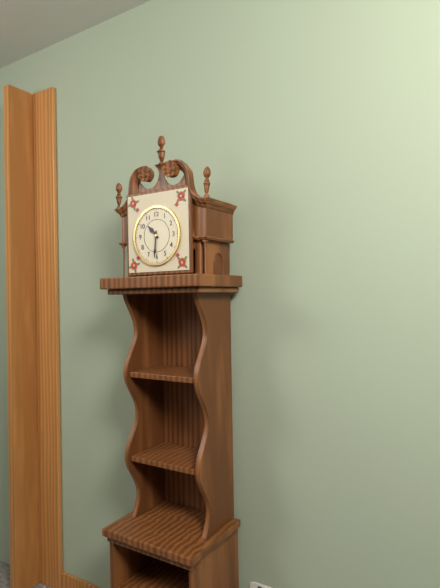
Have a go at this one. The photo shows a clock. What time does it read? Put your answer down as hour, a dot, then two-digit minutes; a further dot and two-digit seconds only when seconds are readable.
10.31
